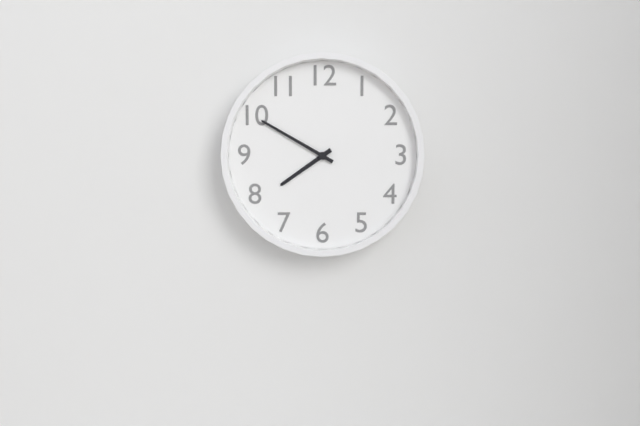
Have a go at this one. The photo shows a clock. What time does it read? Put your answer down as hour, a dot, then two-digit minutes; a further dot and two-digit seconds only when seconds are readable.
7.50
